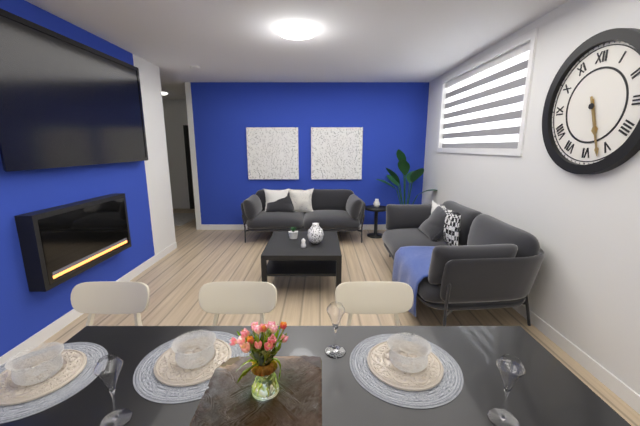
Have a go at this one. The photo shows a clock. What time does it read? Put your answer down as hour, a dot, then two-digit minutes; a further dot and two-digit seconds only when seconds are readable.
5.27
